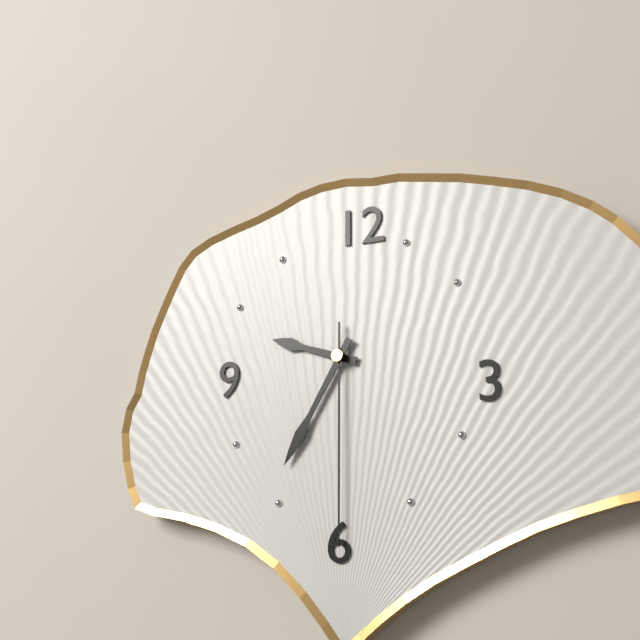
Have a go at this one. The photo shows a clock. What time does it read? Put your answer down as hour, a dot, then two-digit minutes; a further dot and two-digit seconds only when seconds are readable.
9.35.30
